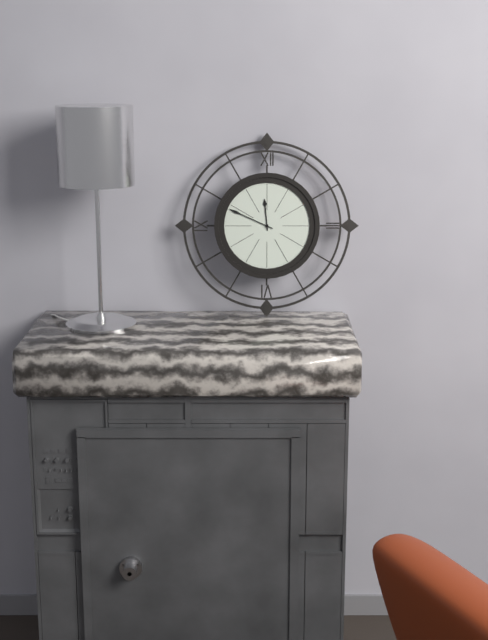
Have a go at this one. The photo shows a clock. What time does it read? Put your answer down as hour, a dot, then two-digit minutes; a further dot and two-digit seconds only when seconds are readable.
11.49
